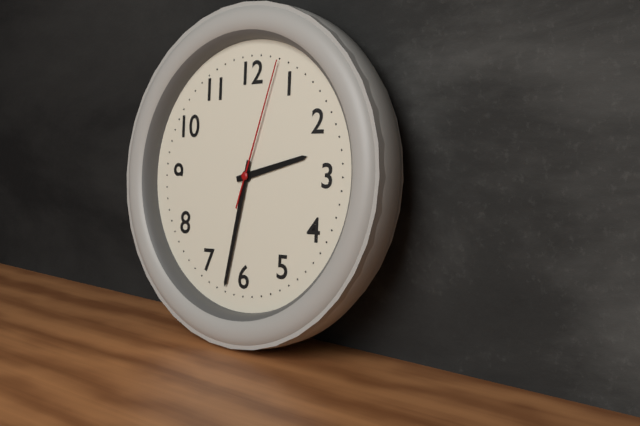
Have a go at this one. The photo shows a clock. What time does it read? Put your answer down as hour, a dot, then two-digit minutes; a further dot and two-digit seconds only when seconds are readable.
2.32.03
